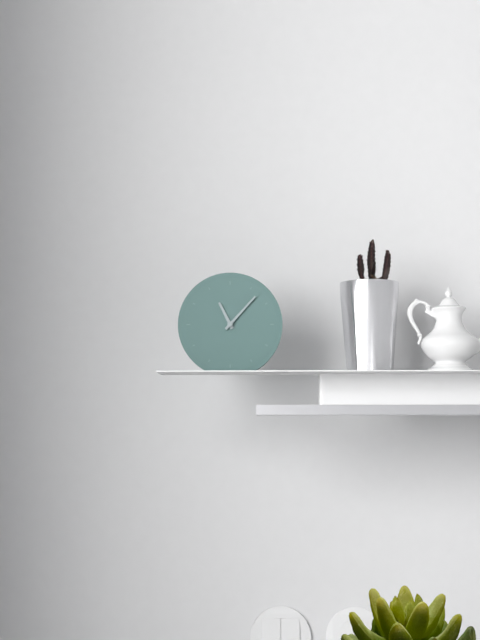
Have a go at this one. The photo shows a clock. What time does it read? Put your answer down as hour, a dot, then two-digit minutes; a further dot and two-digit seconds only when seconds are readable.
11.07
